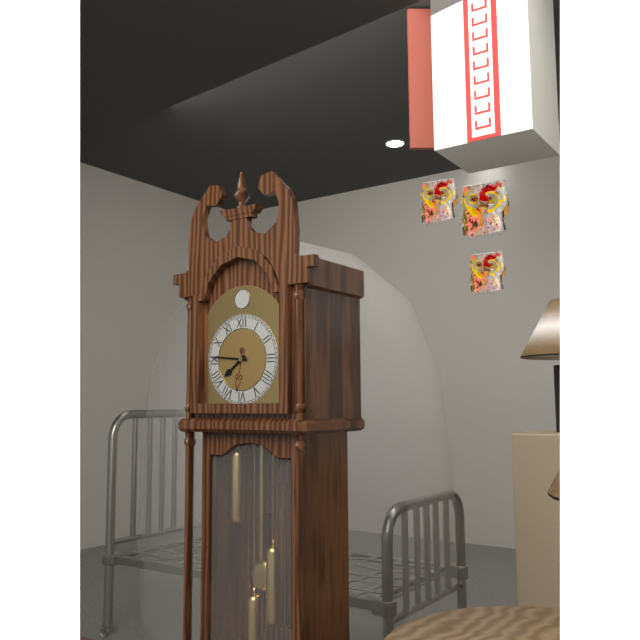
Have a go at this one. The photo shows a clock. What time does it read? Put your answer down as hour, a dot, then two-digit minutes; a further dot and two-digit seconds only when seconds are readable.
7.46
